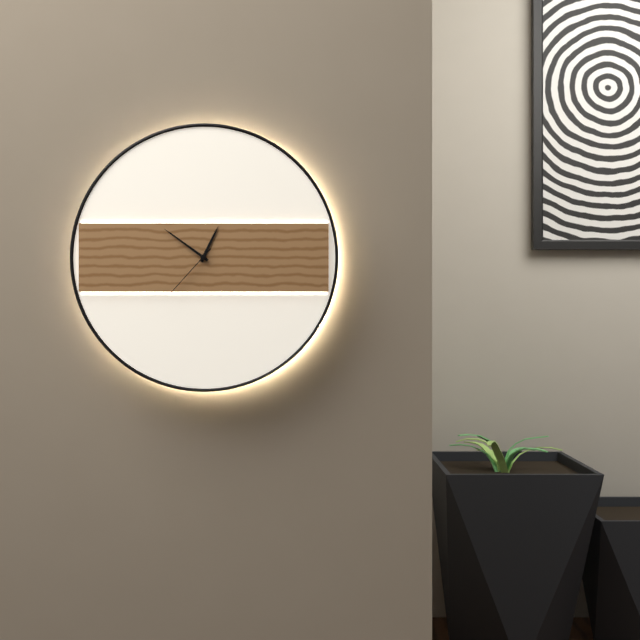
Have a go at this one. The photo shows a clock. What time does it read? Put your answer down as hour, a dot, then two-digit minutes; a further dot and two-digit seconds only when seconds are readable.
12.51.37
